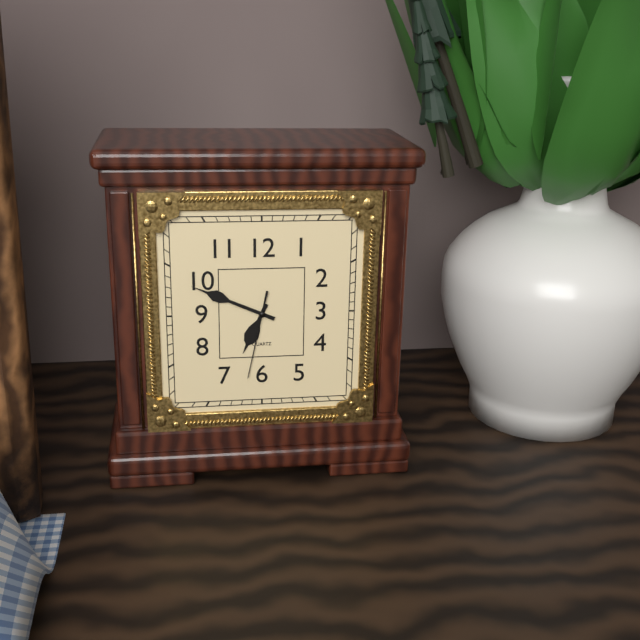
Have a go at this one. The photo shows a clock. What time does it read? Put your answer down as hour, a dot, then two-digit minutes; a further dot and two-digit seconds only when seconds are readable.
6.49.32
